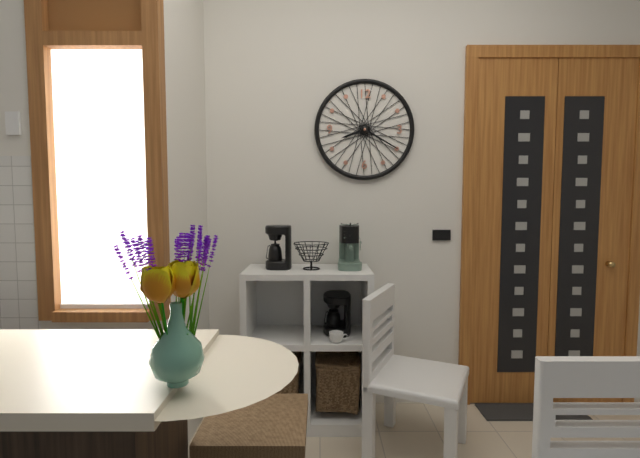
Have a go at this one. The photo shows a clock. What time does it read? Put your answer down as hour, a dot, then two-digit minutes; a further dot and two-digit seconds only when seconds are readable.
8.20
